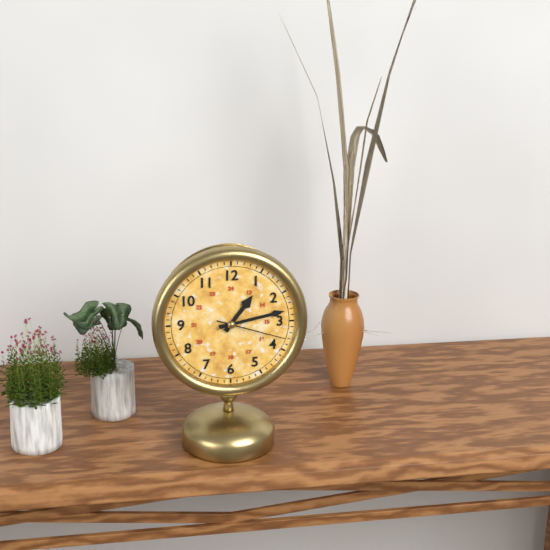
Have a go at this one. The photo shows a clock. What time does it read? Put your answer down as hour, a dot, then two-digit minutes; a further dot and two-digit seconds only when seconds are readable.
1.13.18
